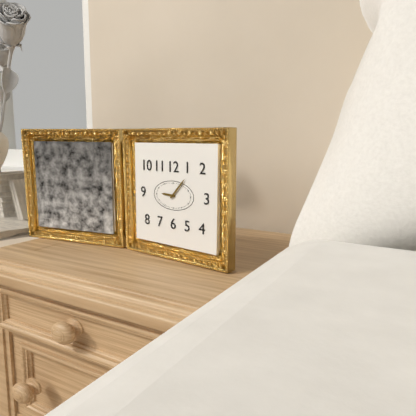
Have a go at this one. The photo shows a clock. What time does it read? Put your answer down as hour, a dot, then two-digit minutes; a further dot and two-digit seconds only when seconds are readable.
9.07
